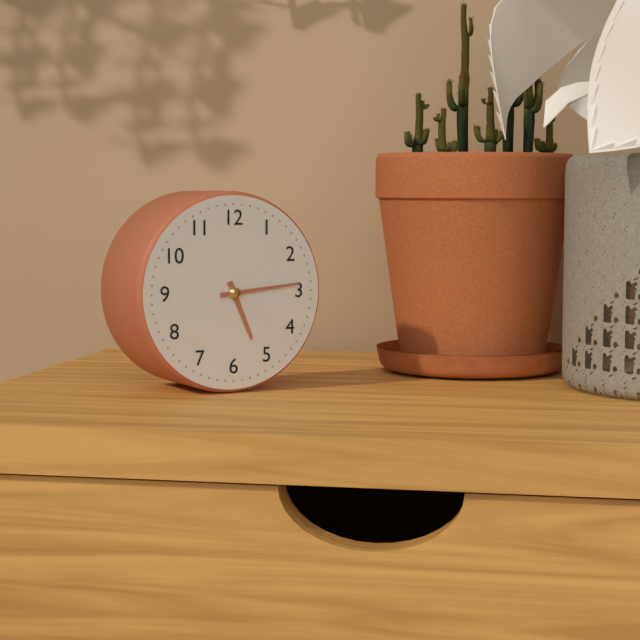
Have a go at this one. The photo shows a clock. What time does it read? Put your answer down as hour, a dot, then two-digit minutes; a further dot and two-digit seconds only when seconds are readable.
5.14
